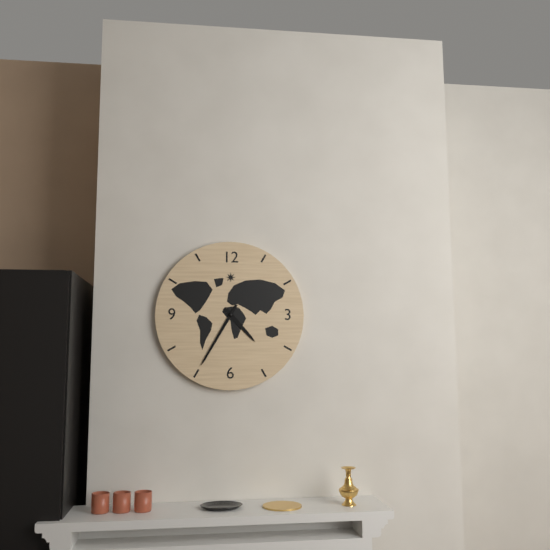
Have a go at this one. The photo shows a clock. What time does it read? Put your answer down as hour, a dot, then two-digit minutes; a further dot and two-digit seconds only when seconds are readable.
4.35
